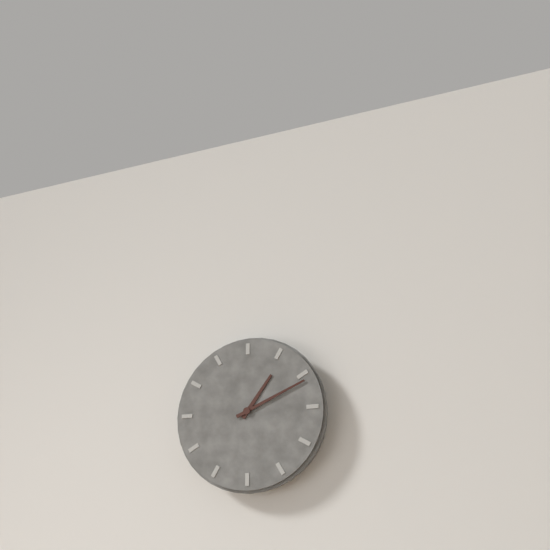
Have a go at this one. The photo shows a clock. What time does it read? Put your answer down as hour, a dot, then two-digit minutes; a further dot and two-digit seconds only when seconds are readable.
1.11
